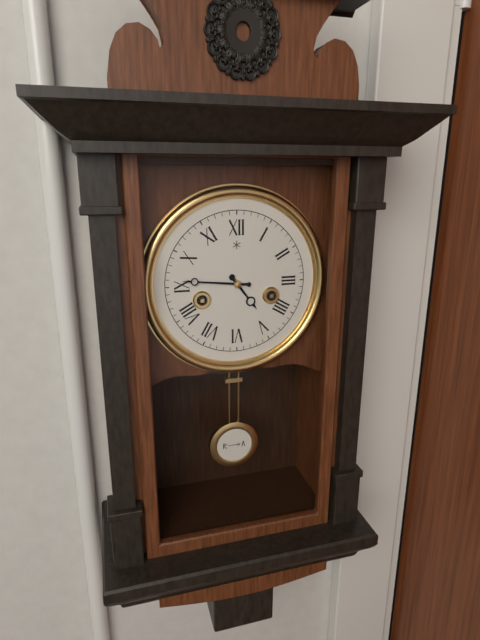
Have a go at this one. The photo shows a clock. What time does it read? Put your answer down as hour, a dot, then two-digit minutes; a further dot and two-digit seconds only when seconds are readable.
4.46
